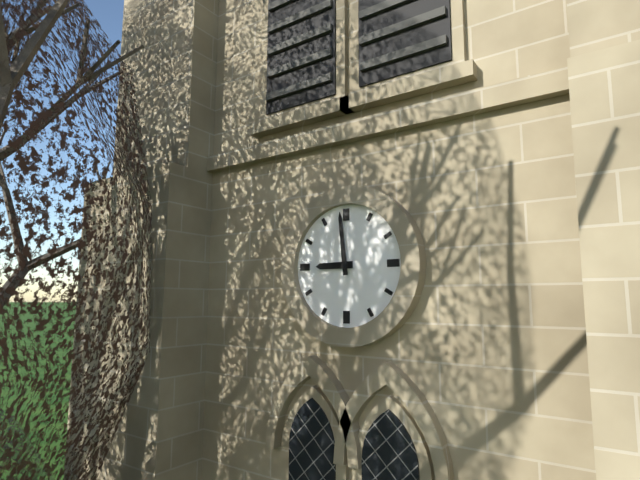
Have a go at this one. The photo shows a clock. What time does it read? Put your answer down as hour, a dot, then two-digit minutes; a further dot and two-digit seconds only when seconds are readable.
8.59
